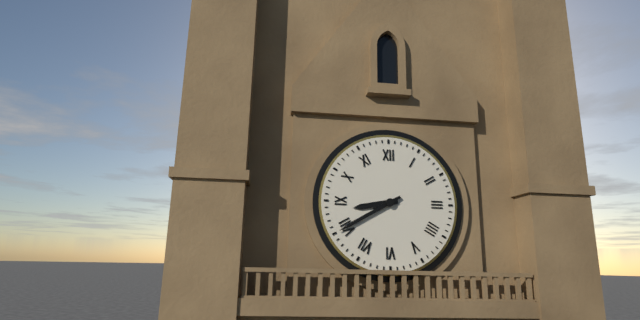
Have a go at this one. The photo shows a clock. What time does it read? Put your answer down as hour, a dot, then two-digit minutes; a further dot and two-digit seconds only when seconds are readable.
8.40
